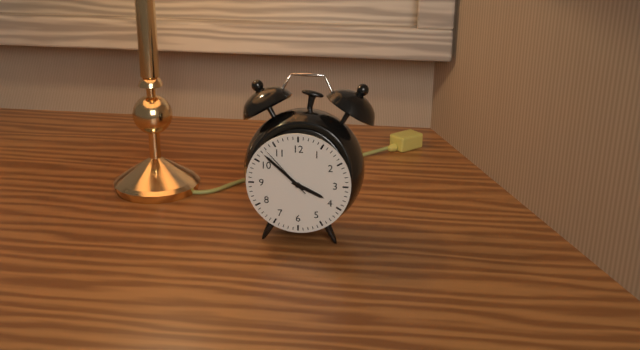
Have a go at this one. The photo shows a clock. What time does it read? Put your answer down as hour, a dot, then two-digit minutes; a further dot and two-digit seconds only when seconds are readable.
3.52.53
